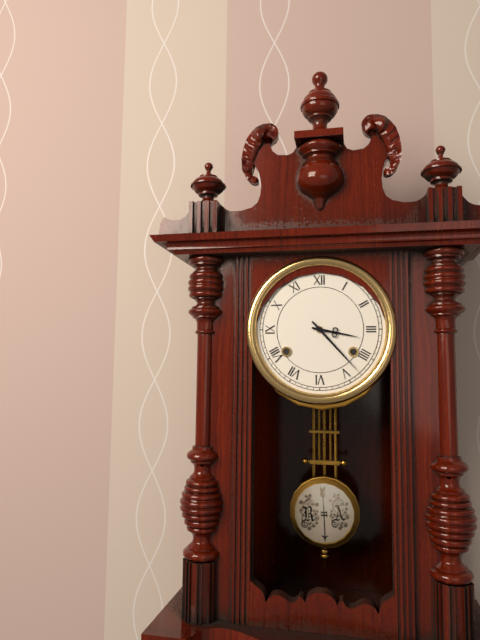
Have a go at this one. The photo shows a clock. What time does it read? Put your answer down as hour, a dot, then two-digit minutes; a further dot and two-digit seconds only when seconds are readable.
3.23
